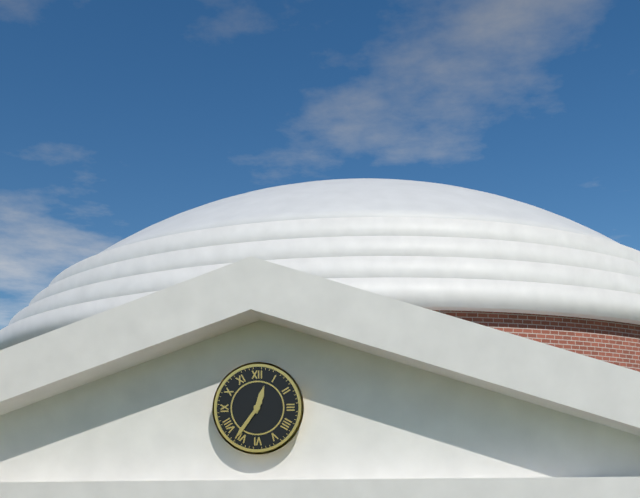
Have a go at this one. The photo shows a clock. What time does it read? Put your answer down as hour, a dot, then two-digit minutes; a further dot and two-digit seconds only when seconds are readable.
12.36
